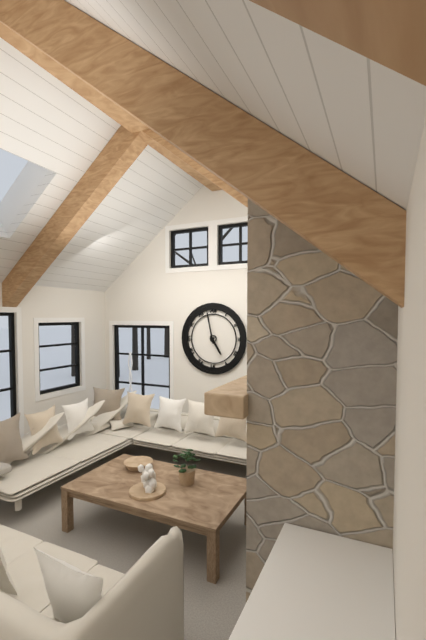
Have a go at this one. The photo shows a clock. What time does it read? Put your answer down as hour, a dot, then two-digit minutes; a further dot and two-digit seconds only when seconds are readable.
4.58
